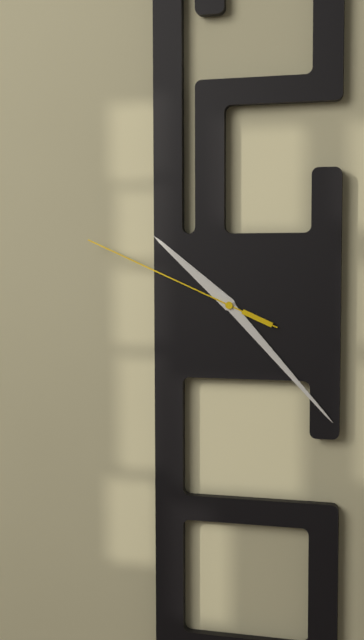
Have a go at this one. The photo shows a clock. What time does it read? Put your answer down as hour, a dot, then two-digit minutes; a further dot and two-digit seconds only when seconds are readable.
10.23.49
